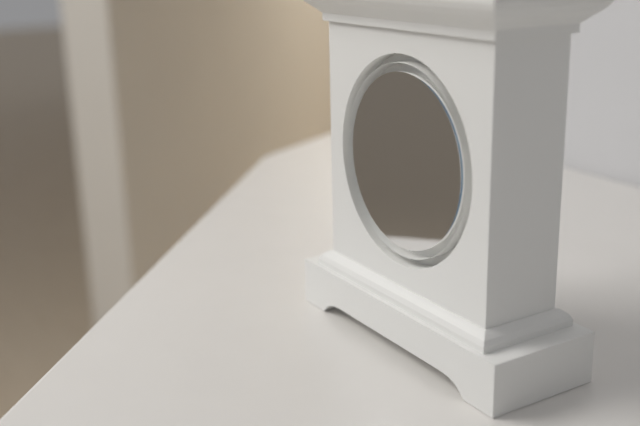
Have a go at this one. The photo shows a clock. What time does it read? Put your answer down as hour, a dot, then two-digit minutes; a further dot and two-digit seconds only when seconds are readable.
6.02
